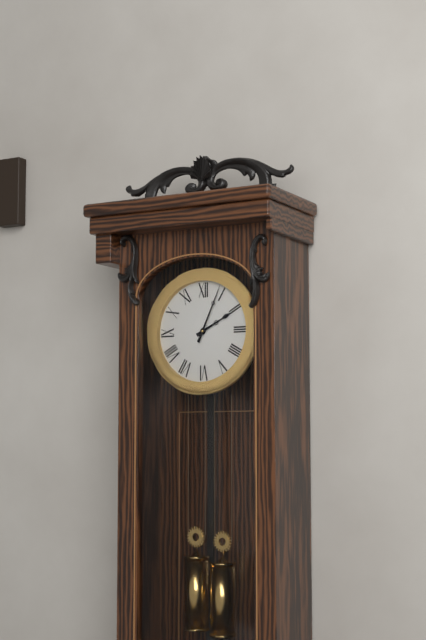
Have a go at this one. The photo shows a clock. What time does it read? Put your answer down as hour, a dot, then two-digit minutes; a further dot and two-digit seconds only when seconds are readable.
2.04
